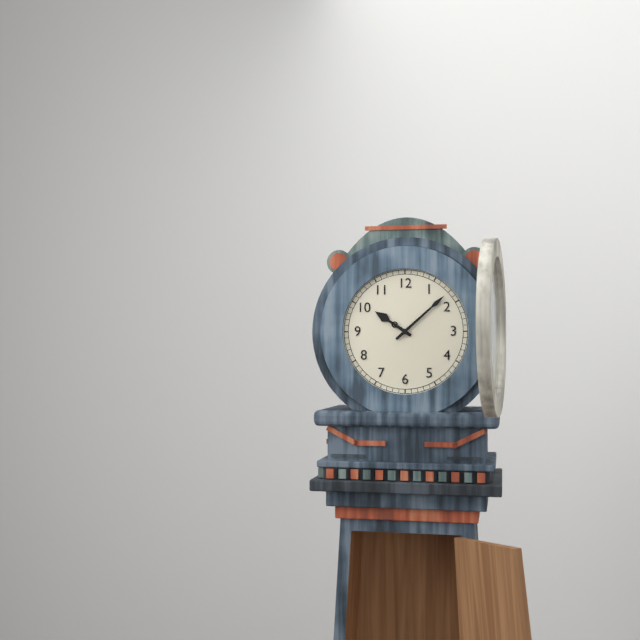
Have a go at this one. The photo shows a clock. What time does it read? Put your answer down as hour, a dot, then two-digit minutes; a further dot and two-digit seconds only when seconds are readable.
10.08
